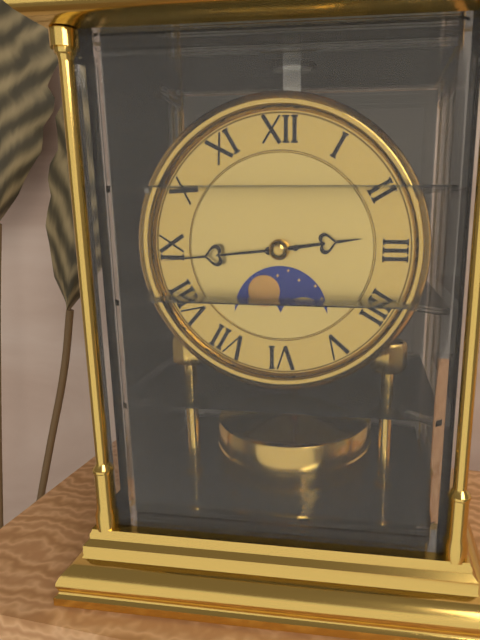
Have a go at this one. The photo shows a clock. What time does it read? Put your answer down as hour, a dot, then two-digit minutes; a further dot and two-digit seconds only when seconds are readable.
2.44
